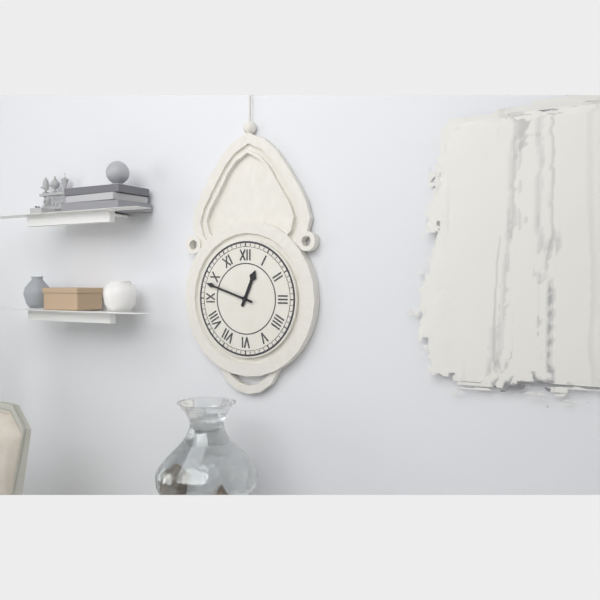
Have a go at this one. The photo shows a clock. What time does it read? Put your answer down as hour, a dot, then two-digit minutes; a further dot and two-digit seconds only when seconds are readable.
12.48
